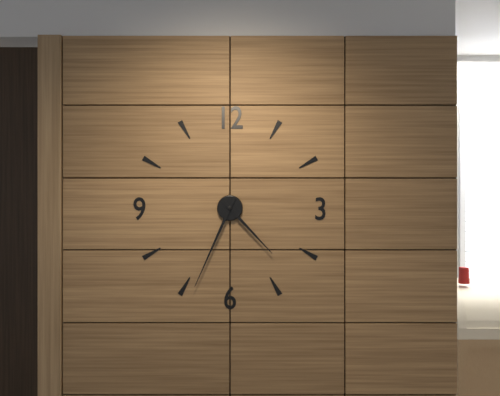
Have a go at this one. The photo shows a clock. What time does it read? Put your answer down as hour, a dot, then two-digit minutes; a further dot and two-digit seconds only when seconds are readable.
4.34
